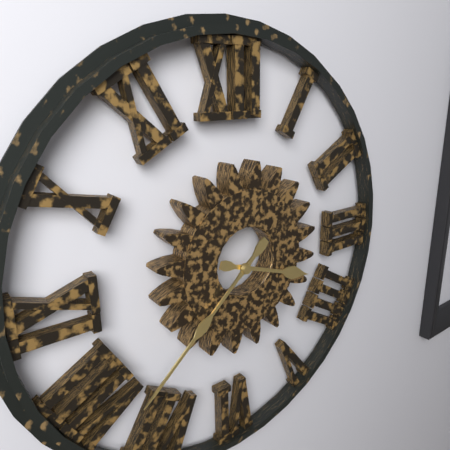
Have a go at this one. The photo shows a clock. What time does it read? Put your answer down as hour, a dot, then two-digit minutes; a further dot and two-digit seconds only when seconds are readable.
3.38
